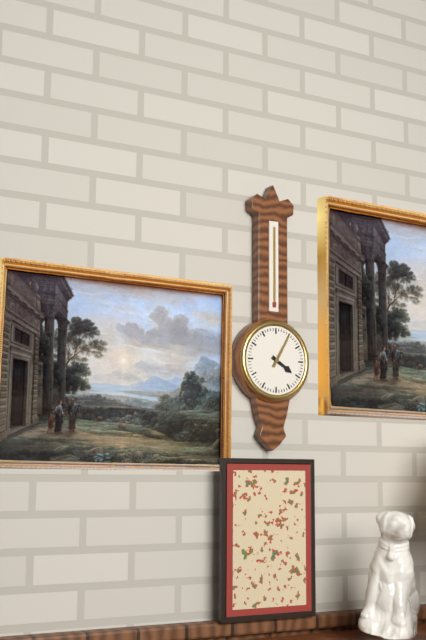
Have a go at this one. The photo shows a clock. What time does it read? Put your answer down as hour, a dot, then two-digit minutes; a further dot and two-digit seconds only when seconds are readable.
4.05
